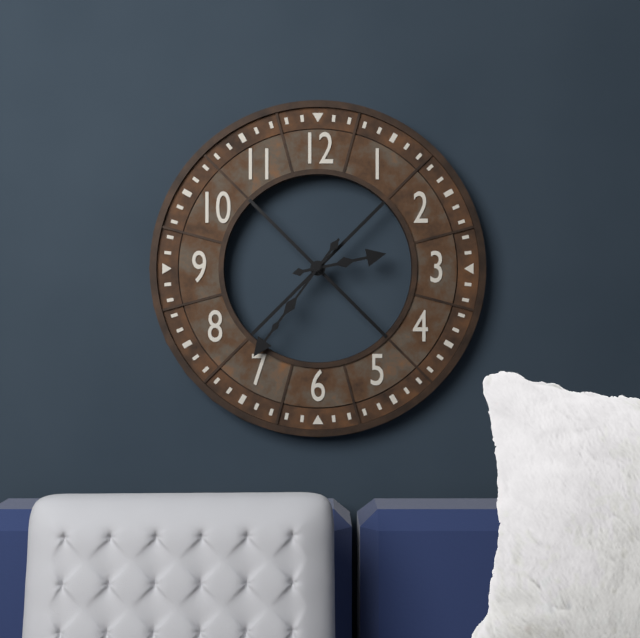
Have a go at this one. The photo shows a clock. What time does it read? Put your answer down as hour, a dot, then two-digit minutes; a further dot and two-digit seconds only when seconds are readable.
2.36
